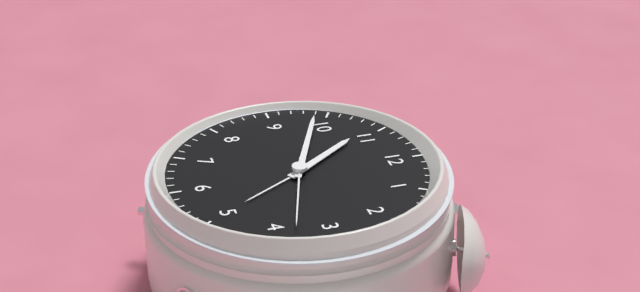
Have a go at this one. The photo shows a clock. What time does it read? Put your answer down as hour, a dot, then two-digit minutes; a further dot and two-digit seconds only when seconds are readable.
10.49.18
